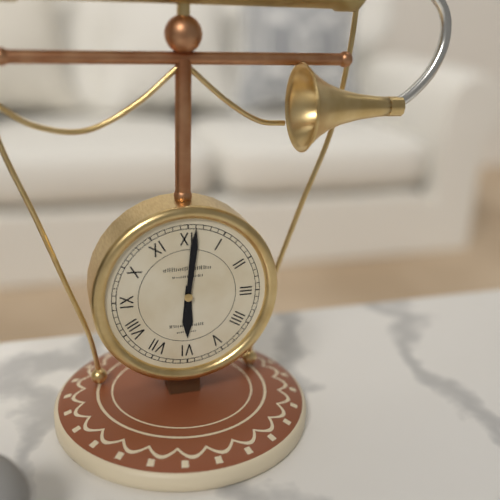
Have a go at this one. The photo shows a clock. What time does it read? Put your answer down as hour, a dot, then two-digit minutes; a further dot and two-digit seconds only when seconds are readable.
6.01
